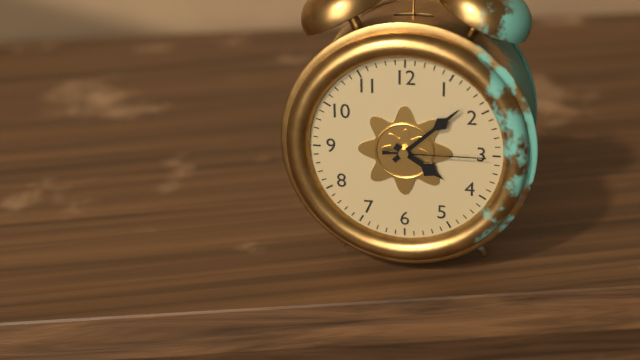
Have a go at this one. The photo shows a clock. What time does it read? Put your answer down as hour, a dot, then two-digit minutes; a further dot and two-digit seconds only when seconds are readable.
4.08.15
